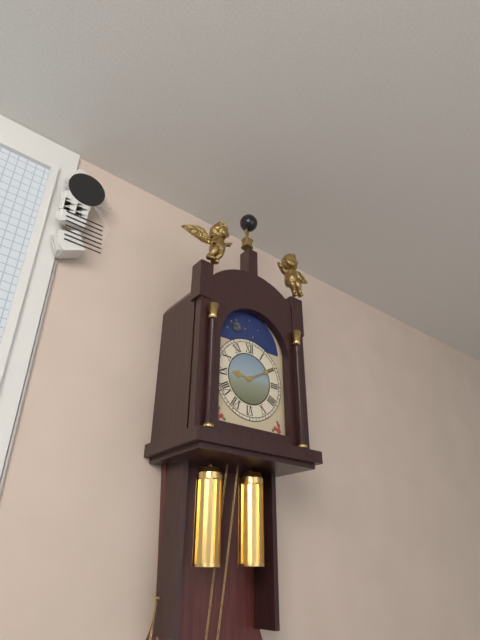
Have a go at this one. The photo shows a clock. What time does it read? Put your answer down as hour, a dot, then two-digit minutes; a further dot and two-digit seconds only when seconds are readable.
9.10
